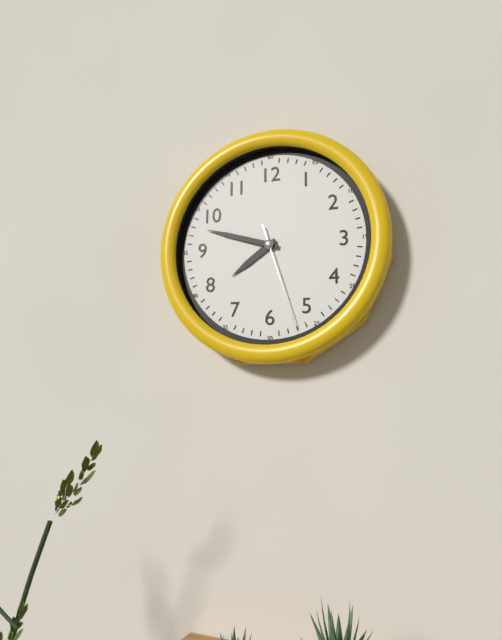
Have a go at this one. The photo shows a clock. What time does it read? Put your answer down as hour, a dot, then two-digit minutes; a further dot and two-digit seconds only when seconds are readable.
7.48.27
